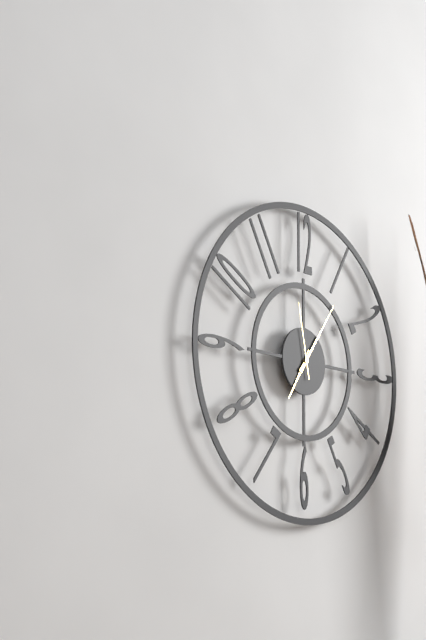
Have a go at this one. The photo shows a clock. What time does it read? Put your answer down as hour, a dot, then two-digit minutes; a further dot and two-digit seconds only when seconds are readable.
7.06.58
